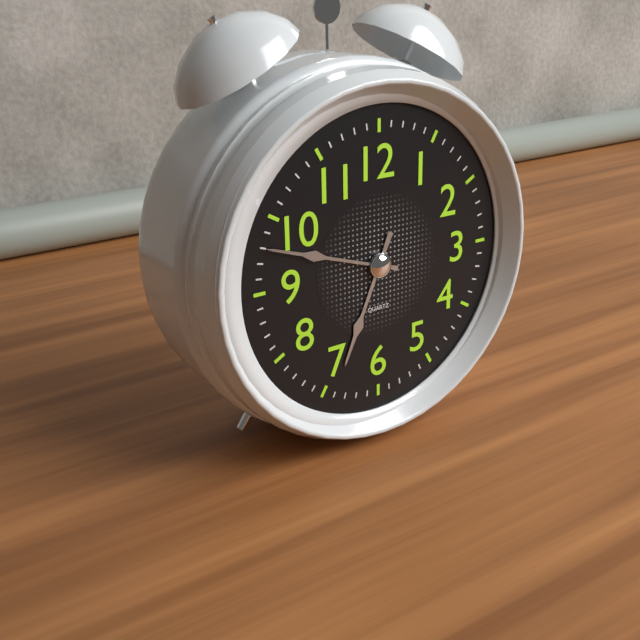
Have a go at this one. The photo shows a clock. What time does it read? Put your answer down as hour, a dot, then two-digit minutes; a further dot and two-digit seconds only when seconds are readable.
6.48
